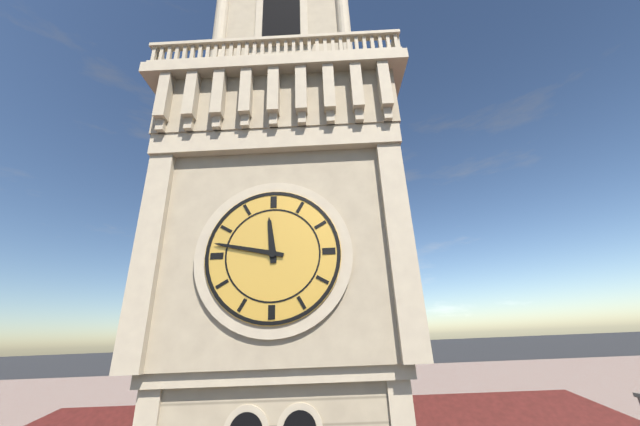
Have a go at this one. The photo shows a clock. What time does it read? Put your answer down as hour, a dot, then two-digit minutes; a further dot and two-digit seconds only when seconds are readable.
11.47
